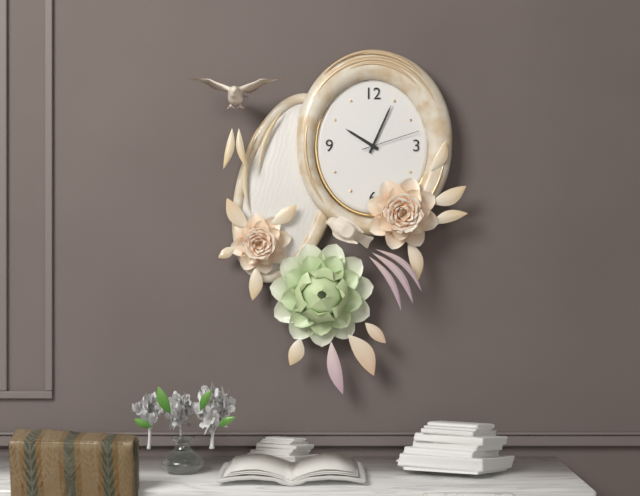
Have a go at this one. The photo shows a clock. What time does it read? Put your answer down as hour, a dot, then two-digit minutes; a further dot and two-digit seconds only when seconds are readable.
10.04.12
